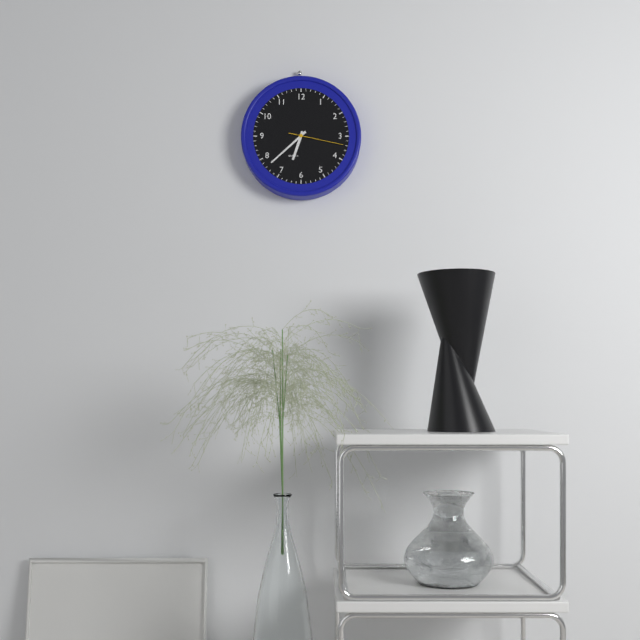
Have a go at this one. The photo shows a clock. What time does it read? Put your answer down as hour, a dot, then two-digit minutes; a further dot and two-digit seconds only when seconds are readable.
6.38.17
